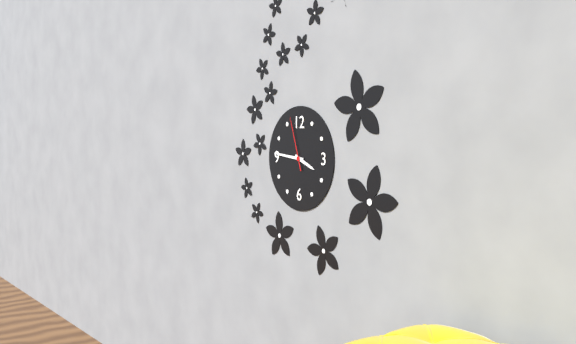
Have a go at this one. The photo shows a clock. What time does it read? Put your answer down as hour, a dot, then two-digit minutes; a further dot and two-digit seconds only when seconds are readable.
3.46.57
